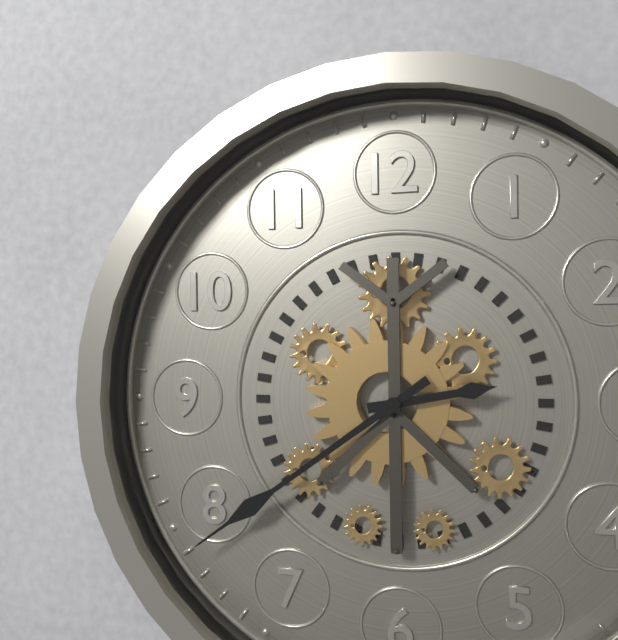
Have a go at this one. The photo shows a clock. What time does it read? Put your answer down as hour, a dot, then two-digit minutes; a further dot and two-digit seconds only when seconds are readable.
2.39
